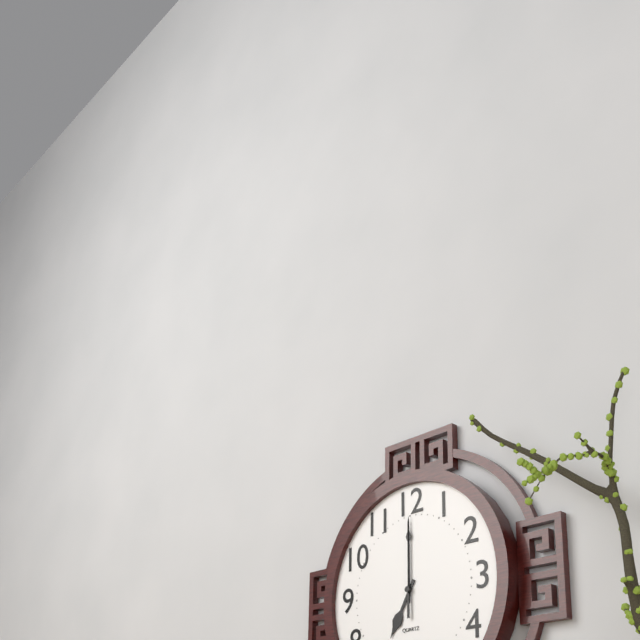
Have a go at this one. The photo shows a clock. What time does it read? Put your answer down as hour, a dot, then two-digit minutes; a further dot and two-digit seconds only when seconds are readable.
7.00.00
